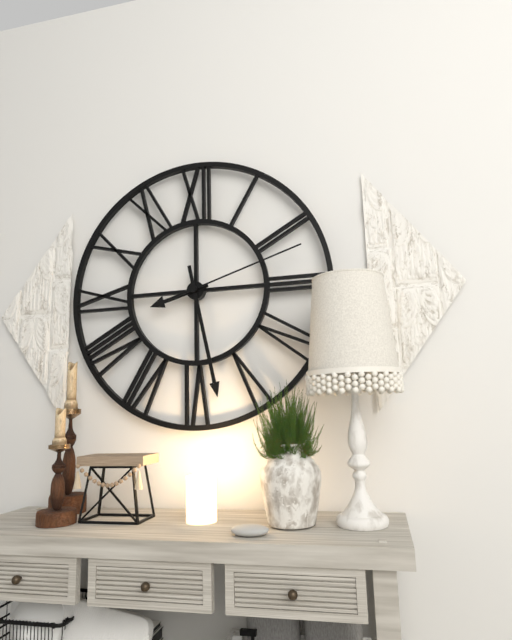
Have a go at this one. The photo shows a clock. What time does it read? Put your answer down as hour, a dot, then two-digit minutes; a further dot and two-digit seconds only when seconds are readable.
8.28.12
